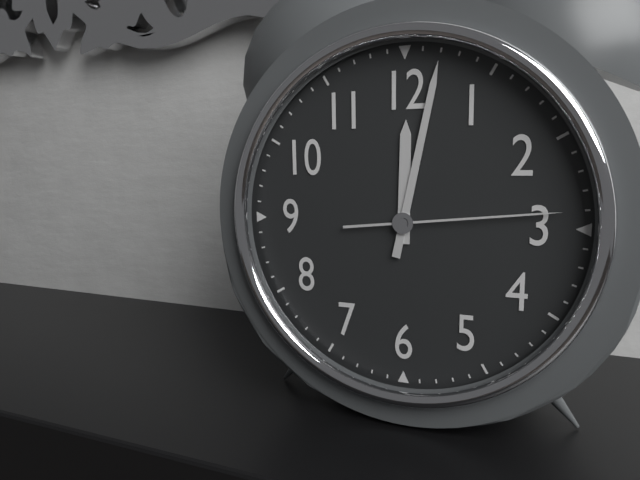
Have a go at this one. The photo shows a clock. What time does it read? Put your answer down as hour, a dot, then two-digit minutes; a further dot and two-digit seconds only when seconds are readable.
12.02.14
